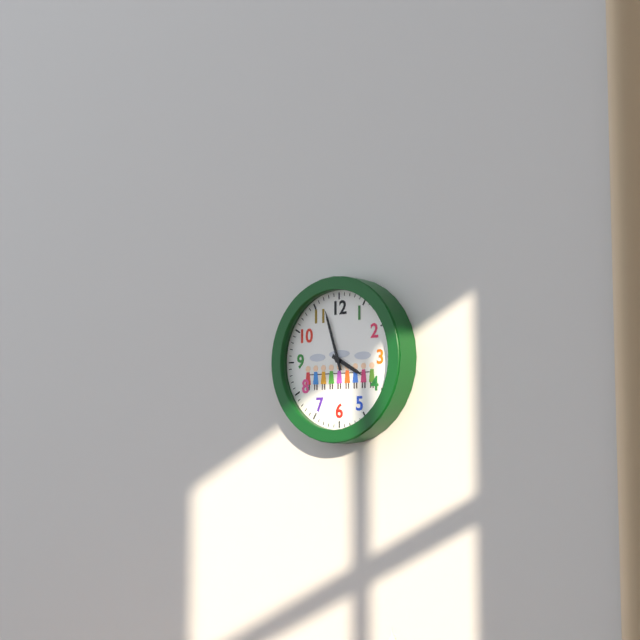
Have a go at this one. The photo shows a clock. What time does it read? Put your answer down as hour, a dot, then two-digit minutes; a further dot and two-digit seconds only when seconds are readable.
3.57
